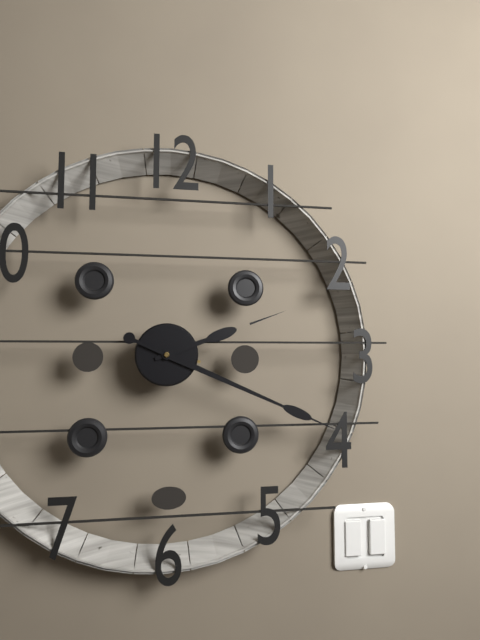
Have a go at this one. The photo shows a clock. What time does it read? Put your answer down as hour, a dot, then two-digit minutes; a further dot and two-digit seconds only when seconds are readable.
2.19
